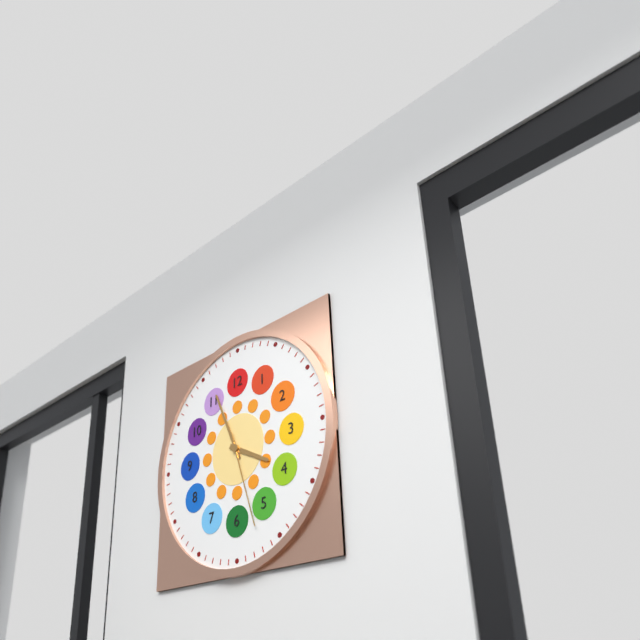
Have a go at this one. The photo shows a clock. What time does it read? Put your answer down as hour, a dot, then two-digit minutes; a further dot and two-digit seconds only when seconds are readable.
3.56.27
